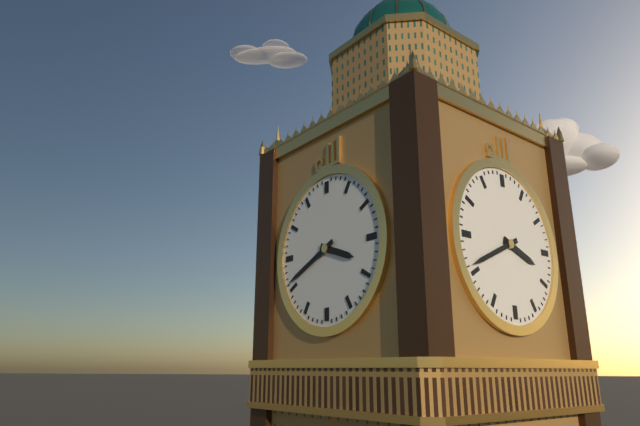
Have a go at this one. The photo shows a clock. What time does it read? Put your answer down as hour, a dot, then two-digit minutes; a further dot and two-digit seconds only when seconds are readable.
3.41
